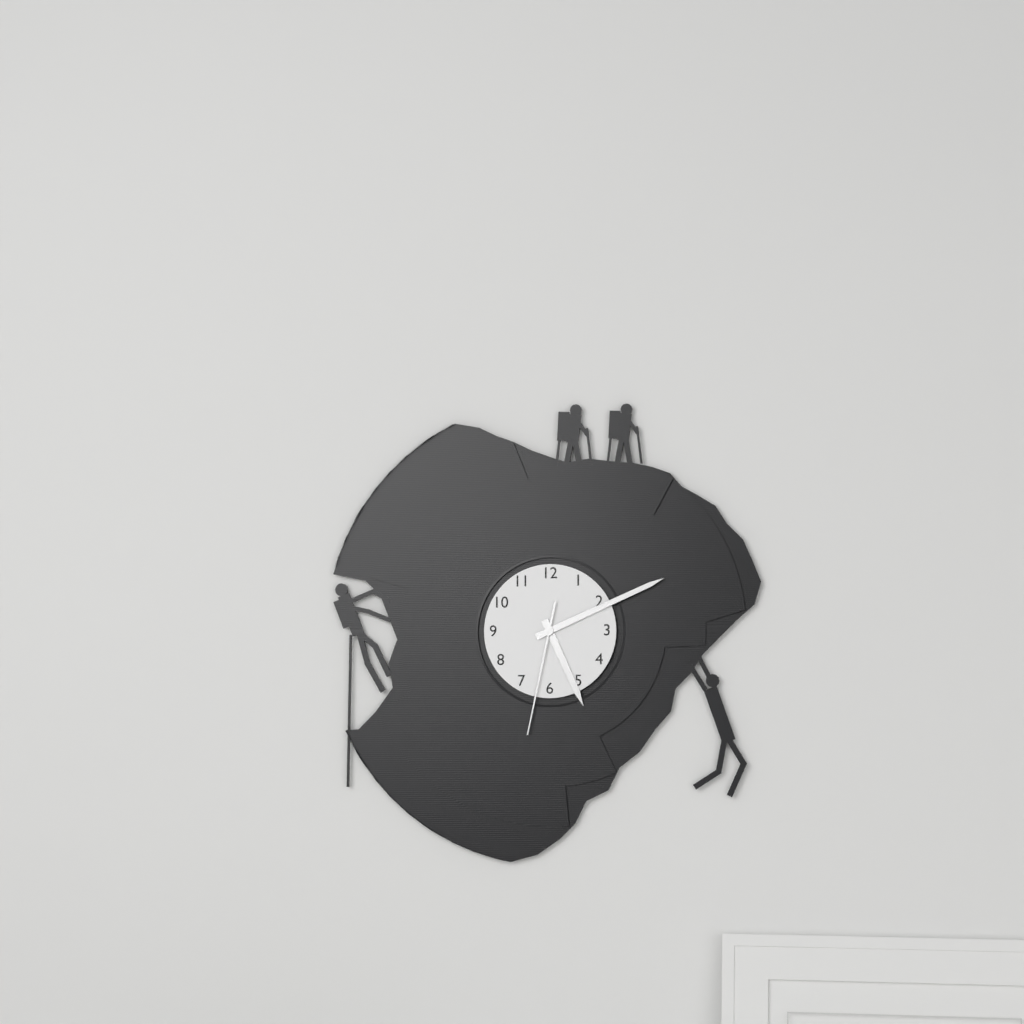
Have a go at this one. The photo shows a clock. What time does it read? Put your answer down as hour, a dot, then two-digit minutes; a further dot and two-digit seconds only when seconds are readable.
5.11.32
